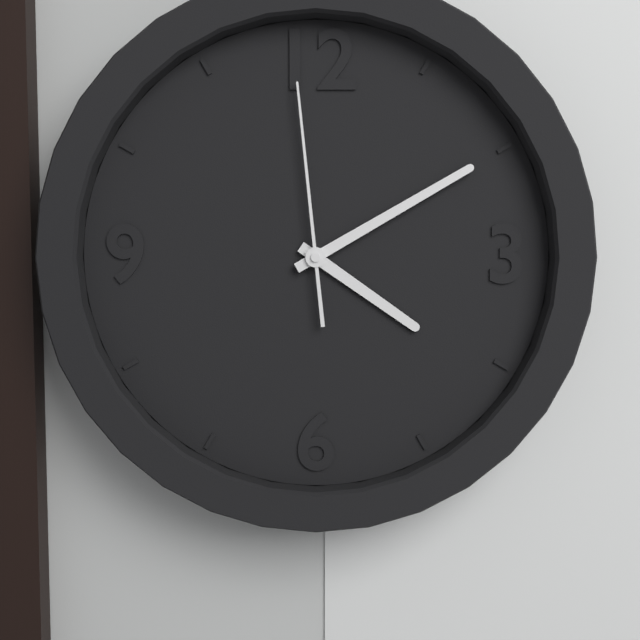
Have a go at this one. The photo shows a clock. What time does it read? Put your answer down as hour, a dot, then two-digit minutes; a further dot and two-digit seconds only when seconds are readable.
4.10.59
